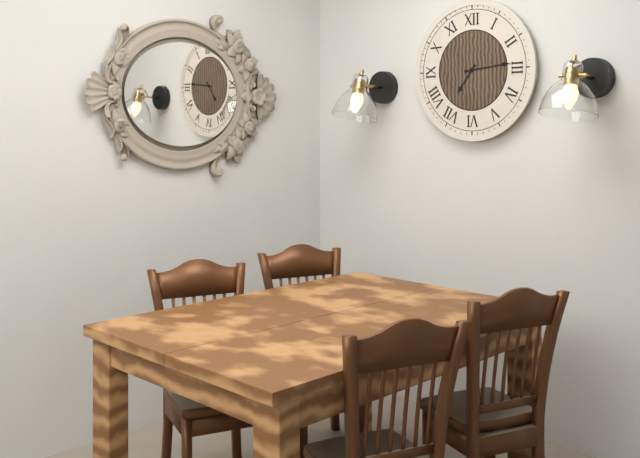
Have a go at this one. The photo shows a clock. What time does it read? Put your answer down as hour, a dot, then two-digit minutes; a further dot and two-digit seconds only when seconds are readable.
7.14
